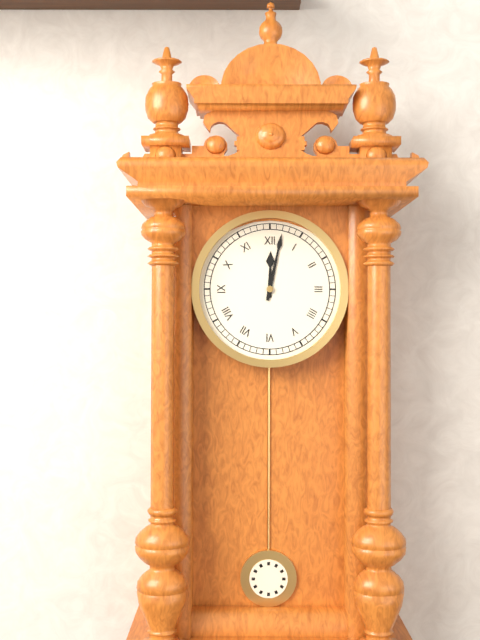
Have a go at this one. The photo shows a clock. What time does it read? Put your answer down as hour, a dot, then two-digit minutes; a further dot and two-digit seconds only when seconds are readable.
12.02
